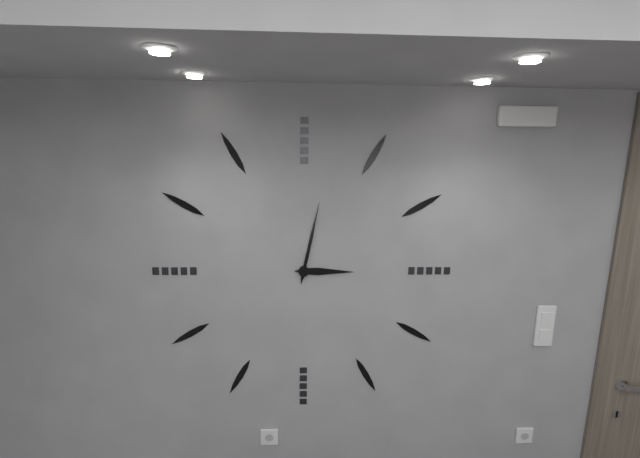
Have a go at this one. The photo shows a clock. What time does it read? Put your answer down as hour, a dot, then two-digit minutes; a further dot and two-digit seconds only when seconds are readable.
3.02
